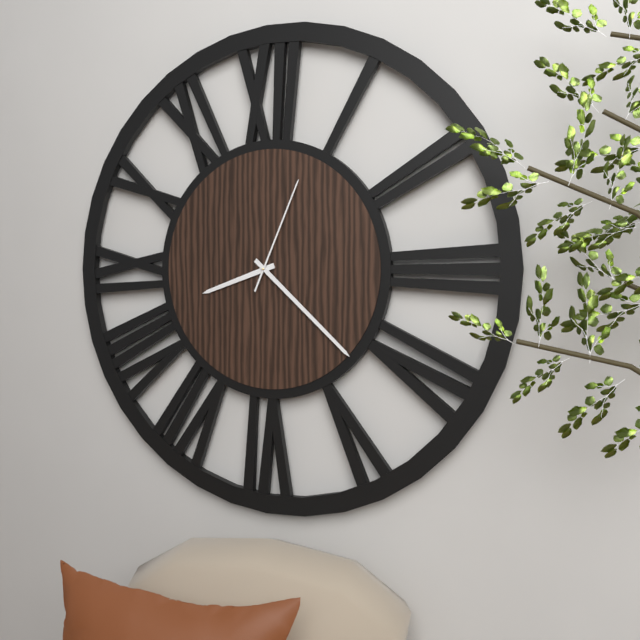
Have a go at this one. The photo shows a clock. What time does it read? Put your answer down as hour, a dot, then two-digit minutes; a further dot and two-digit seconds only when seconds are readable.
8.22.04
